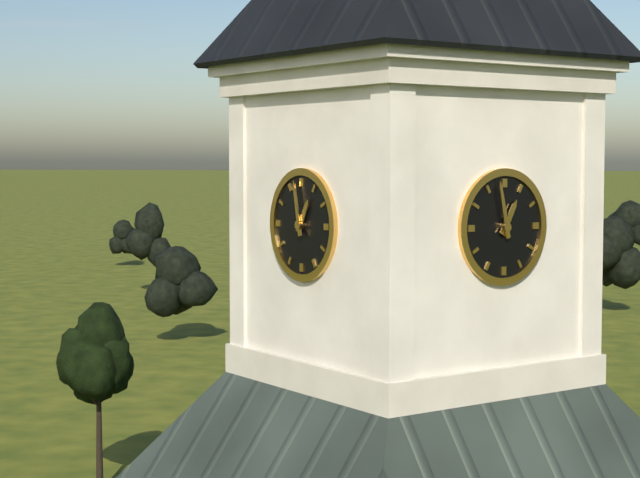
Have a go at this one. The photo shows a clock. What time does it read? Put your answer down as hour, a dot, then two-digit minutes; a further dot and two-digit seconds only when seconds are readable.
12.58
